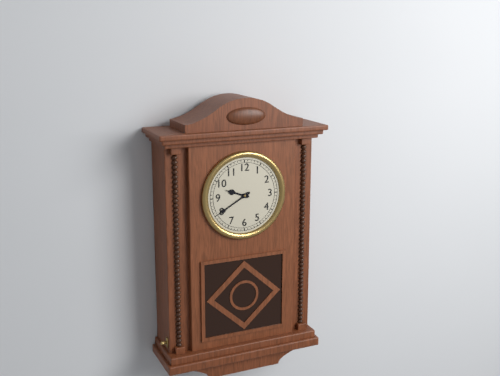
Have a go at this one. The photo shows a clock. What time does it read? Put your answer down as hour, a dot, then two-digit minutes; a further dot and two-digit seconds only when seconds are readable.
9.40
